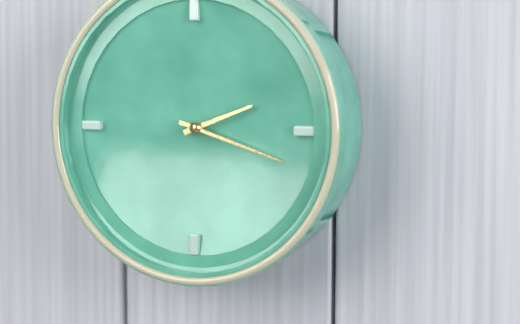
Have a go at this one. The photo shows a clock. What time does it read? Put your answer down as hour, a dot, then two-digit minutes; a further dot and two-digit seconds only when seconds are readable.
2.18
